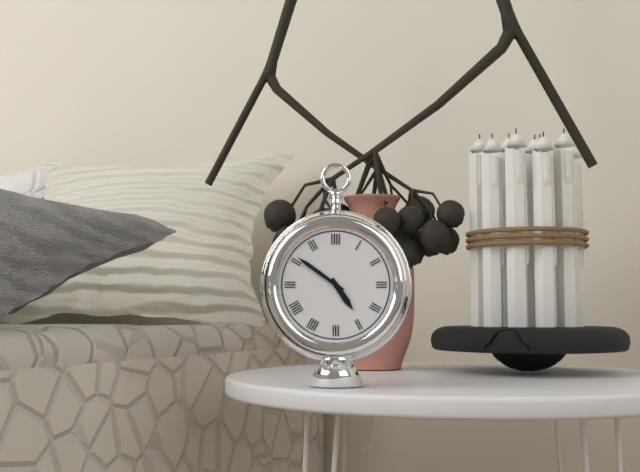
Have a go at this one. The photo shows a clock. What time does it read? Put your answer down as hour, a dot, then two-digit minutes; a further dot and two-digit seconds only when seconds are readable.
4.51
